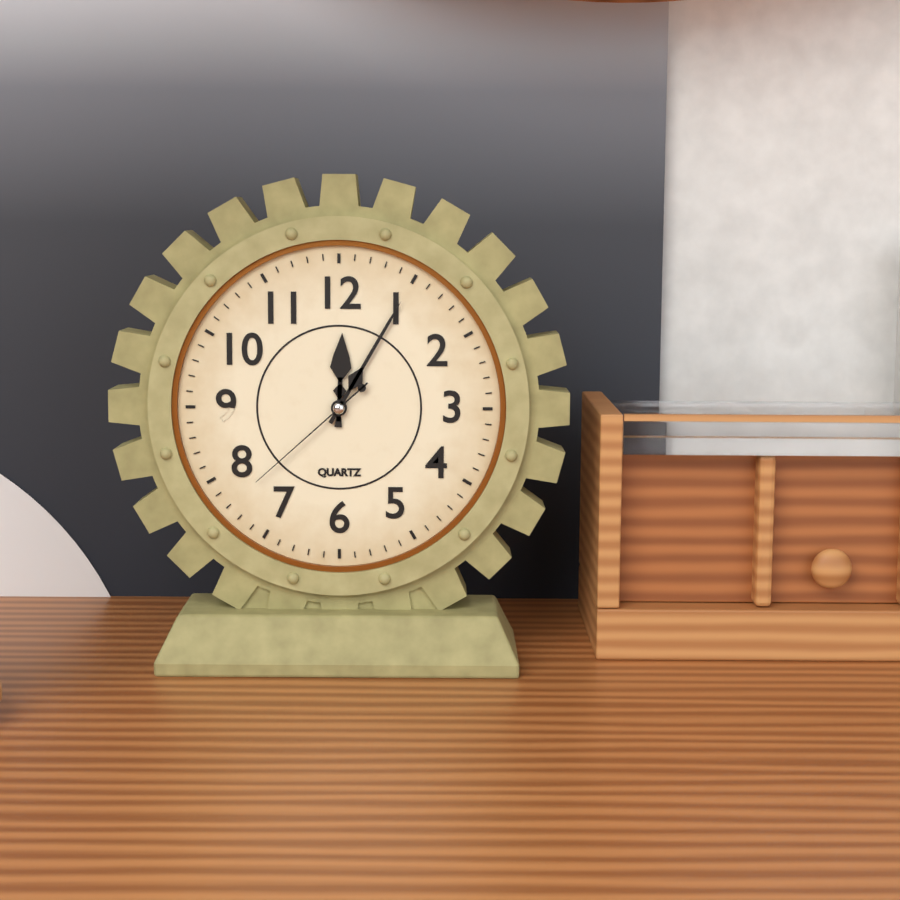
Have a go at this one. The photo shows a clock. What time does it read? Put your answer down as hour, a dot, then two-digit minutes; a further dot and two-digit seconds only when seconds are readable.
12.05.38
